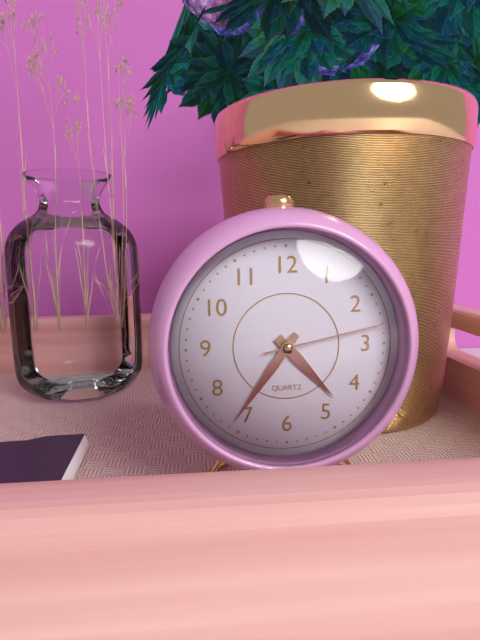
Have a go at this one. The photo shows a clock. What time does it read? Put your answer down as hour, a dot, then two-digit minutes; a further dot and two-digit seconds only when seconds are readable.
4.36.13
